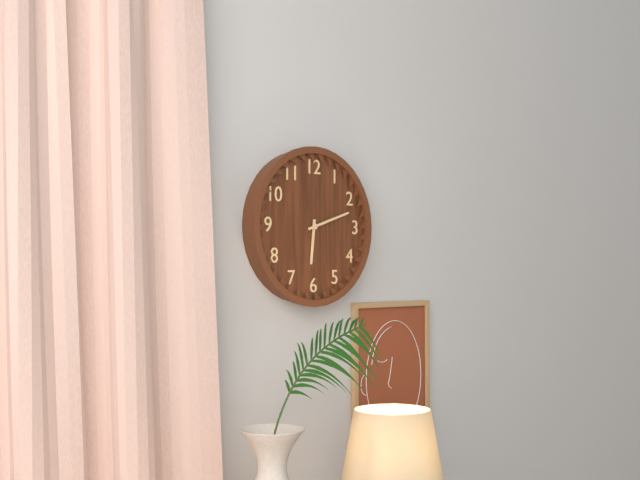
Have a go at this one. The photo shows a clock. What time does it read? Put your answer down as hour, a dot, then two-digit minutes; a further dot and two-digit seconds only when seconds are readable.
6.12
